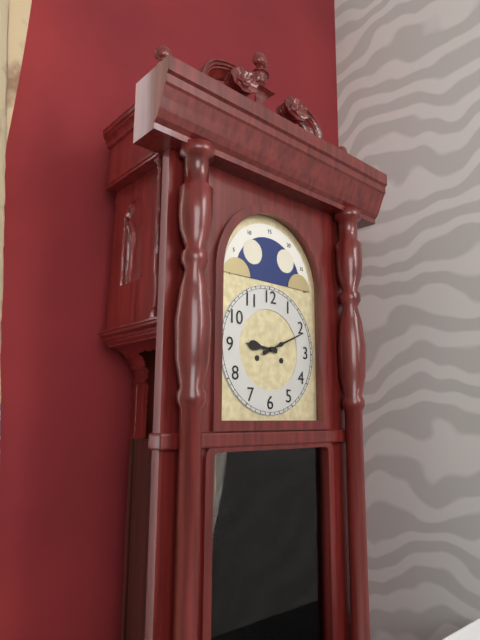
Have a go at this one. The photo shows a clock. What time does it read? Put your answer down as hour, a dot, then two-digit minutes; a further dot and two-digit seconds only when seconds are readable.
9.11
